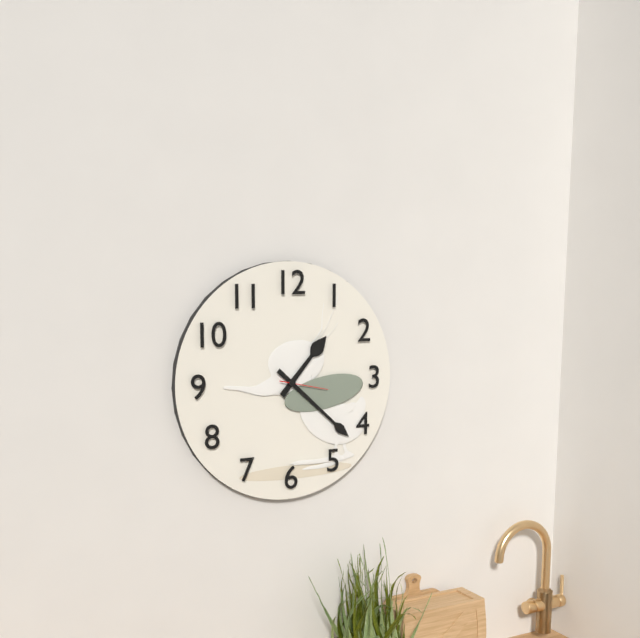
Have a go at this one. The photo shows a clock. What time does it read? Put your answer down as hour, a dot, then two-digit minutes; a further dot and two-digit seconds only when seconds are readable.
1.22
